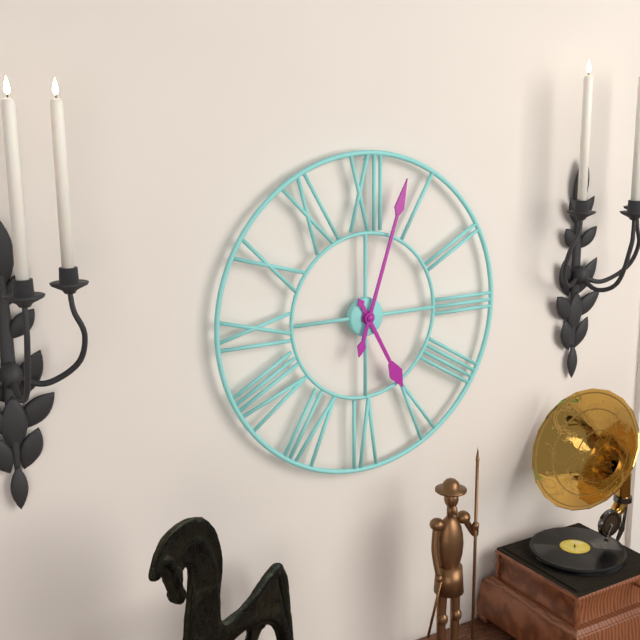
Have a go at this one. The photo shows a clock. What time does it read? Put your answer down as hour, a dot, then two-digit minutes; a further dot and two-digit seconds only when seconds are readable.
5.03
